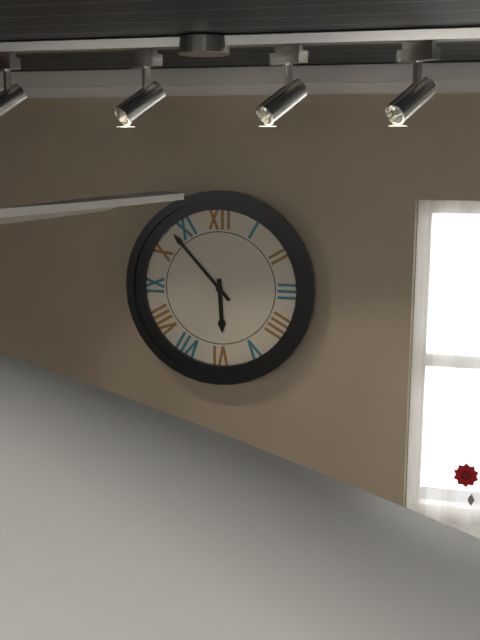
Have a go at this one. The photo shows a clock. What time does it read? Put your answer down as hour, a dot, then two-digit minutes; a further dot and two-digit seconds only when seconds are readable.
5.53
